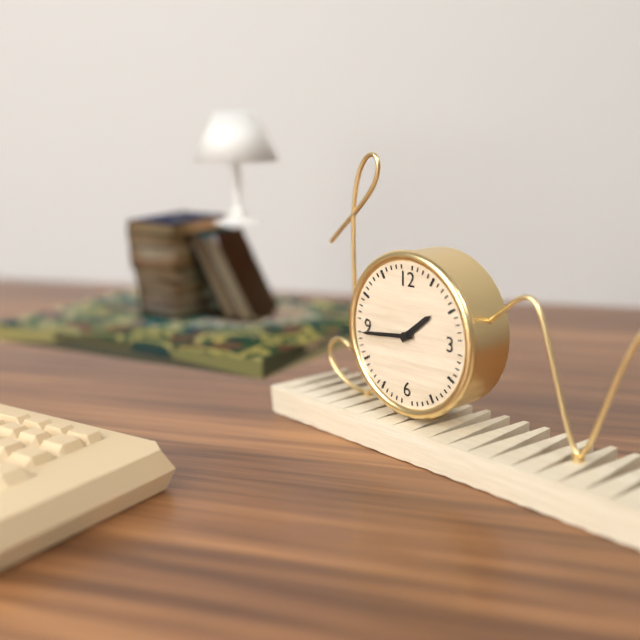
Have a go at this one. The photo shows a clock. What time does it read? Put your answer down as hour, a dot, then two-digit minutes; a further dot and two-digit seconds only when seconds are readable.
1.44
